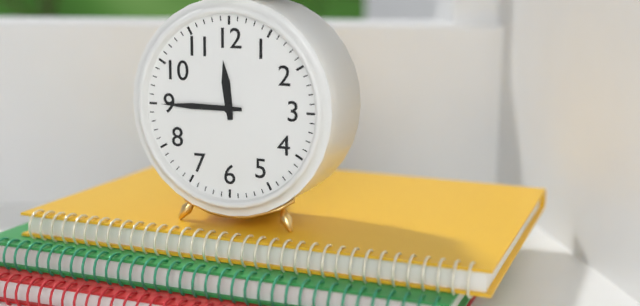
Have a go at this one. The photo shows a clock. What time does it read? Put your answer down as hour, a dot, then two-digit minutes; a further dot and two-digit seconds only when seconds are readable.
11.45
